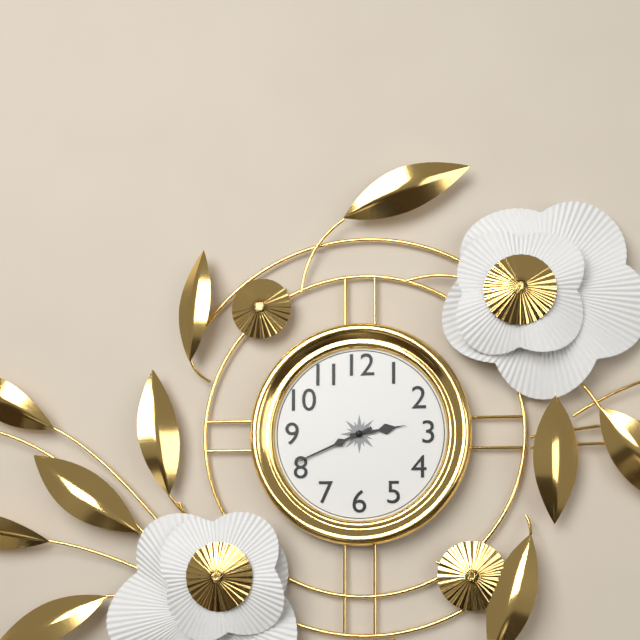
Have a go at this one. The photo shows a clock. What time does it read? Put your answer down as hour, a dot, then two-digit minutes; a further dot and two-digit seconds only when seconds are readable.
2.41
